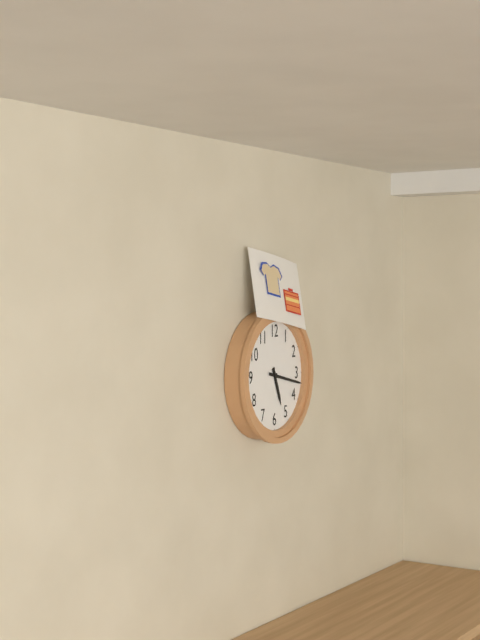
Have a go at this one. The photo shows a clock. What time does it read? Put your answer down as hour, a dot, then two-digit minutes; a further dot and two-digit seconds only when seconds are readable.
5.17
